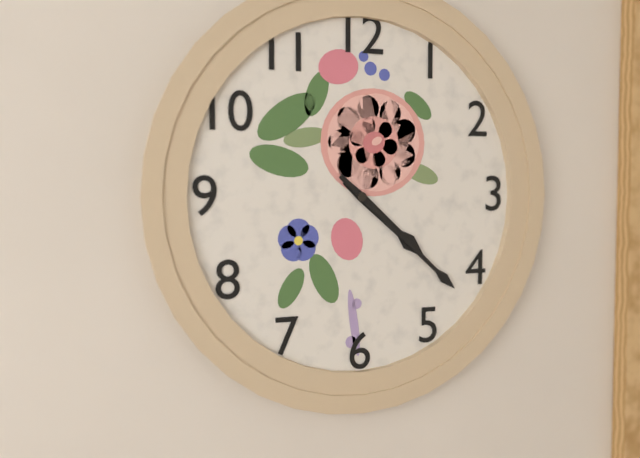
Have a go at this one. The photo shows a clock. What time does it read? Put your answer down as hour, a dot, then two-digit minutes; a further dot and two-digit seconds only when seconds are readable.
4.22
